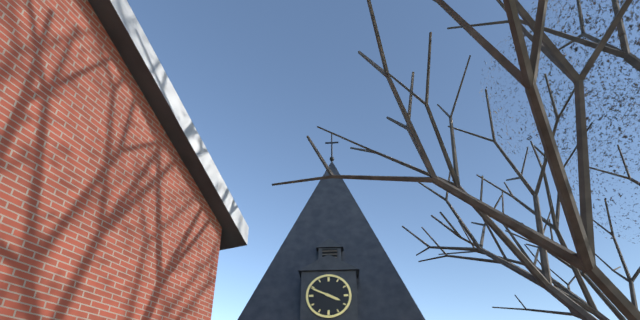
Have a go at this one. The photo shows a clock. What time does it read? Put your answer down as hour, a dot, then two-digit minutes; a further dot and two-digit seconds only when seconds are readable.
3.49
